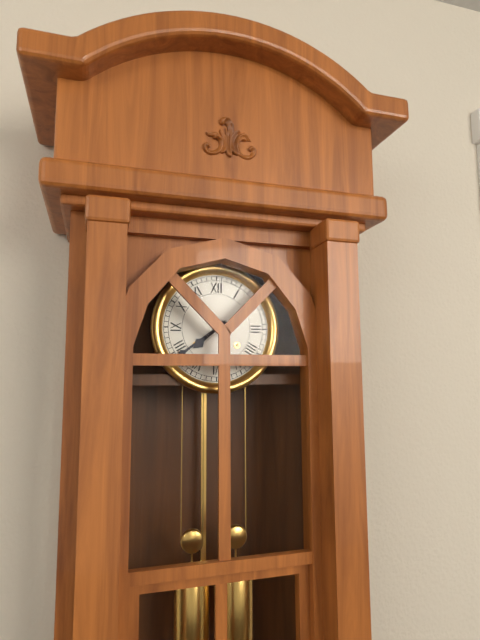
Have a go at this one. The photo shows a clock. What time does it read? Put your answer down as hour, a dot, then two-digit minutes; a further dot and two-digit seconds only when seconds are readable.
7.39
